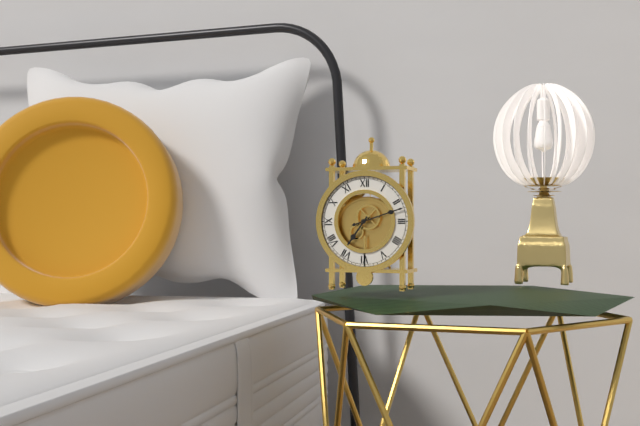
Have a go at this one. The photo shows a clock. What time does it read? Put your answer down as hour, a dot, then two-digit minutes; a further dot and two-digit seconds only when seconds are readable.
7.12
